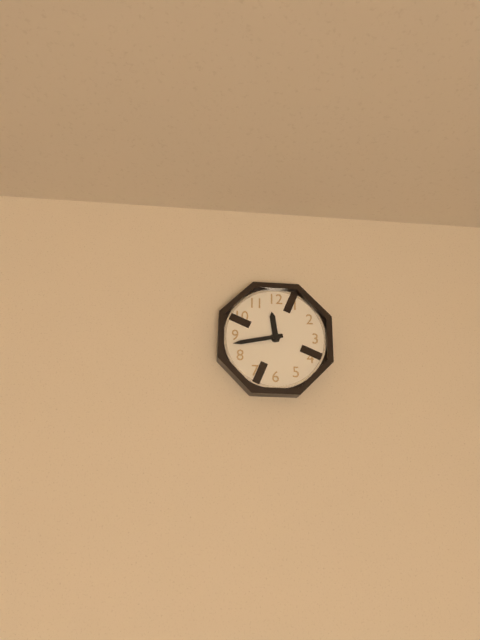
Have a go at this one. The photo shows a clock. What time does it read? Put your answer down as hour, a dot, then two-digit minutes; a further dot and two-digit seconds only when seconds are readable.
11.43
